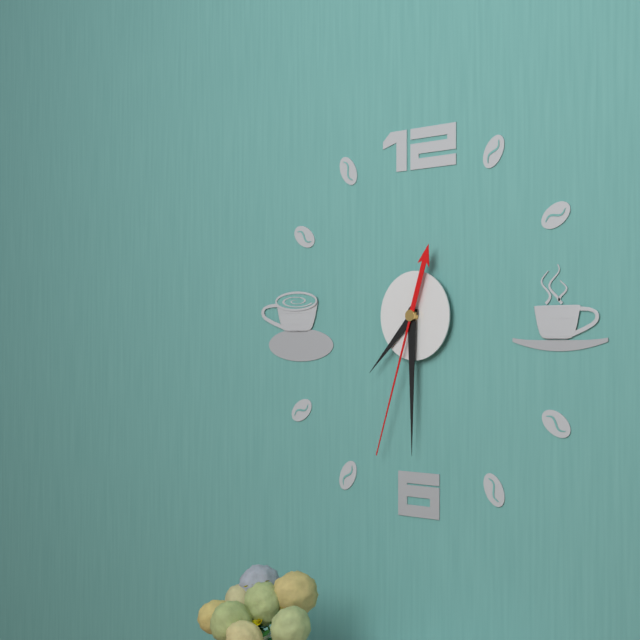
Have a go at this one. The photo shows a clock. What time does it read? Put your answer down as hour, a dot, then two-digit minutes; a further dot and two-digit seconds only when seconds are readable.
7.30.33
